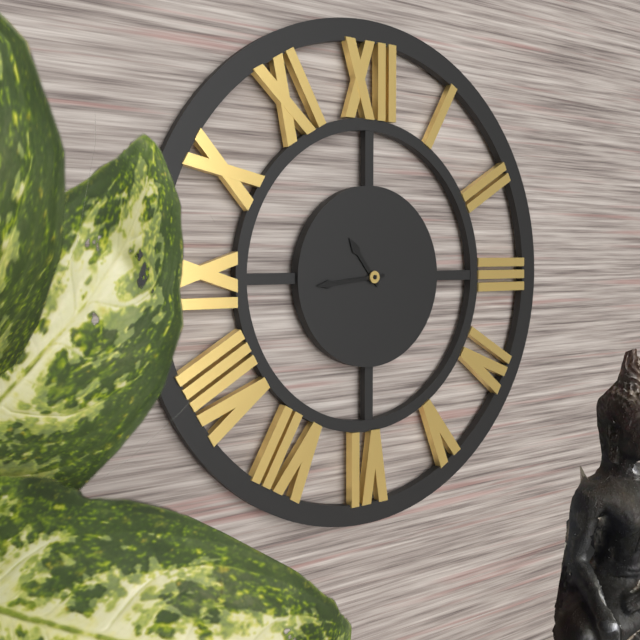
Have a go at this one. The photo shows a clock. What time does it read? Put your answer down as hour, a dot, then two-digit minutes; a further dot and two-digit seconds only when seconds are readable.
10.44
